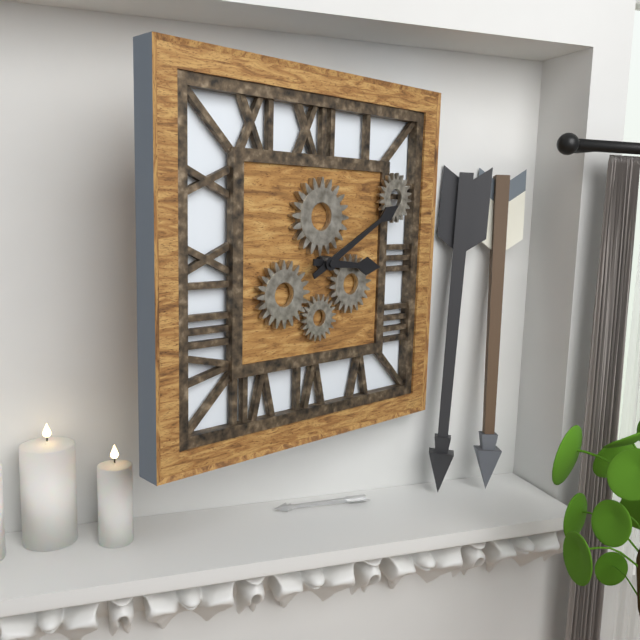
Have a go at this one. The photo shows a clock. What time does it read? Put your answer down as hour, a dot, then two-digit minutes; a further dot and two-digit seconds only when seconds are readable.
3.10
